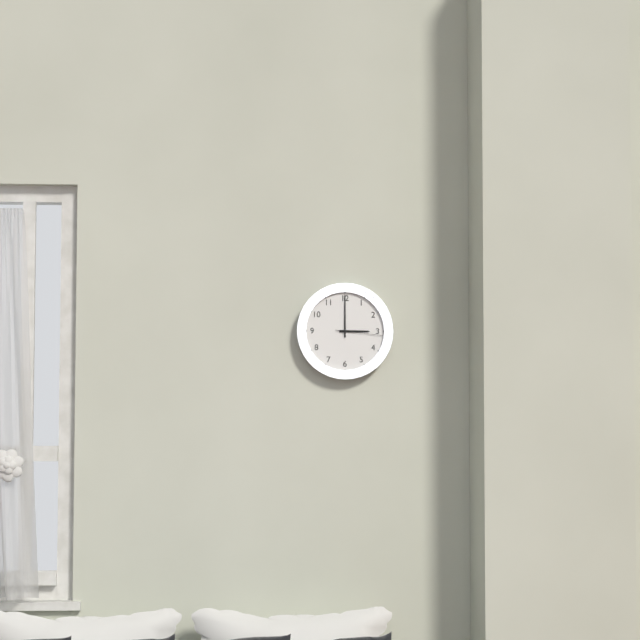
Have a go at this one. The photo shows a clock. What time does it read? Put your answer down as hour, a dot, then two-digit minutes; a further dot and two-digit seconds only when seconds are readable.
3.00
